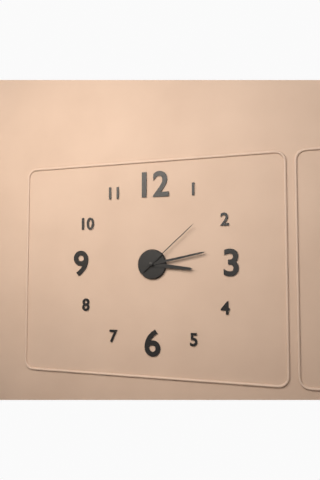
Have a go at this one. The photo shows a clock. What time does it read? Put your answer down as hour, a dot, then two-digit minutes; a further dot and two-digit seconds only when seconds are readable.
3.13.08
